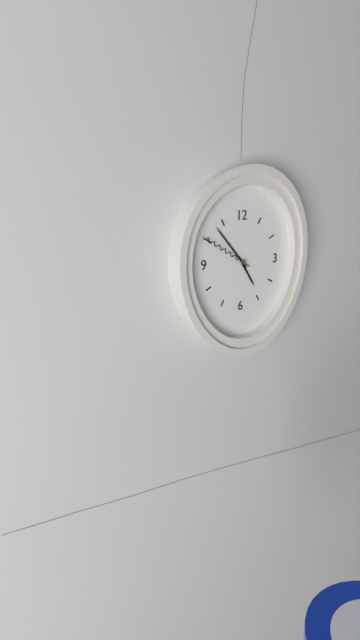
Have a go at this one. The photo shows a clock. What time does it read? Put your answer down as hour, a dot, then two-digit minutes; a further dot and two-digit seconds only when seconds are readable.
4.53.50
